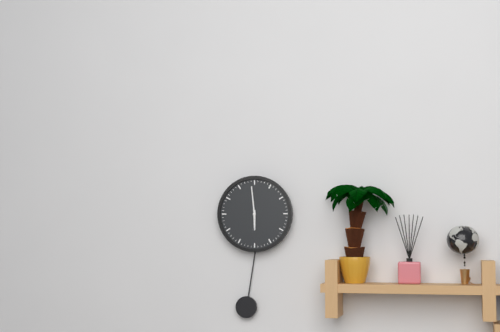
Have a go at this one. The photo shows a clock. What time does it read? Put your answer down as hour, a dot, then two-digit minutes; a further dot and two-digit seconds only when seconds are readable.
5.59
